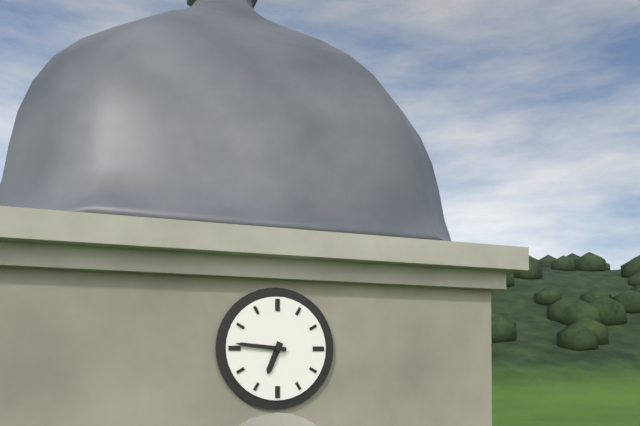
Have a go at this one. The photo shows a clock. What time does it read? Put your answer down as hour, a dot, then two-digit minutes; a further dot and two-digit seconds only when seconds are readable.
6.46
